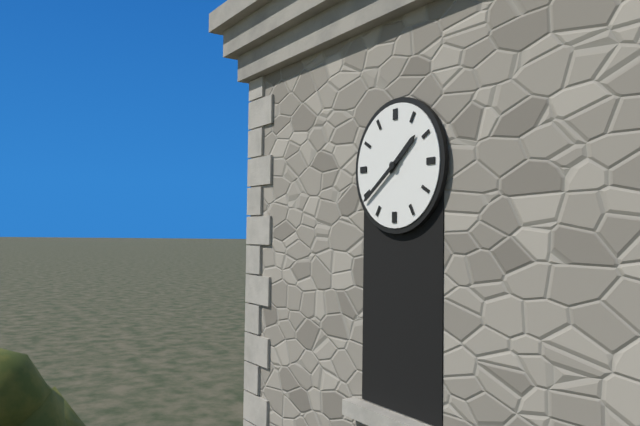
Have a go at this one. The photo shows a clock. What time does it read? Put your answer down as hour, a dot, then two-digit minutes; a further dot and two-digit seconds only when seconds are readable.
1.39
